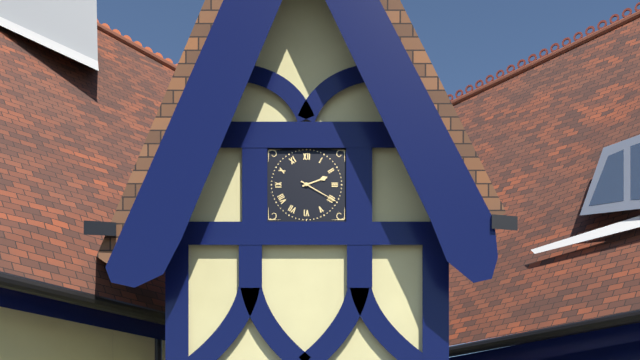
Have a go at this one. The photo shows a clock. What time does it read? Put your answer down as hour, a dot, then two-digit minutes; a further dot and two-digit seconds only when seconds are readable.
2.20
